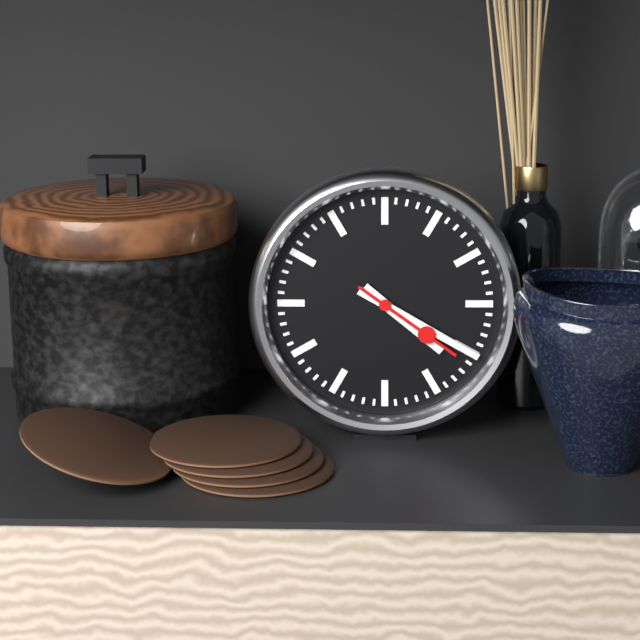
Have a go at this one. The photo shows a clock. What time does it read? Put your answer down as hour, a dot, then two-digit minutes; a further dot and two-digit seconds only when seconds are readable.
4.20.21
